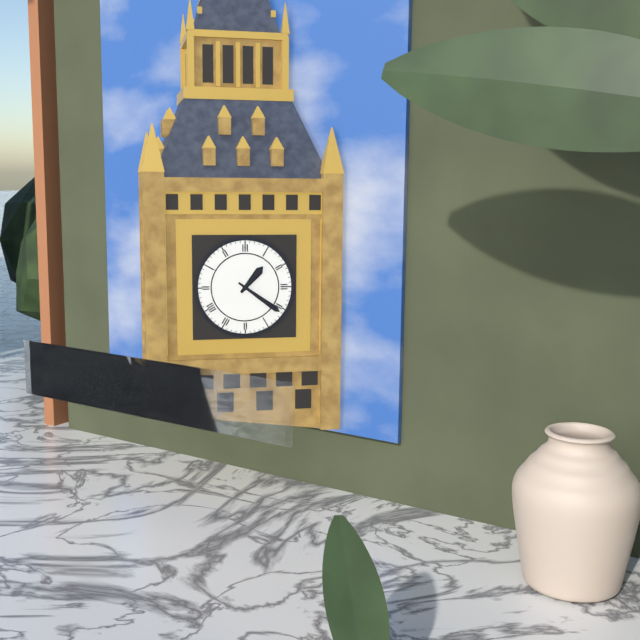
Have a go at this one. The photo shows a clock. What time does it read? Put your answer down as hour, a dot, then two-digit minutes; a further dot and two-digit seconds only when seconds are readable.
1.21
